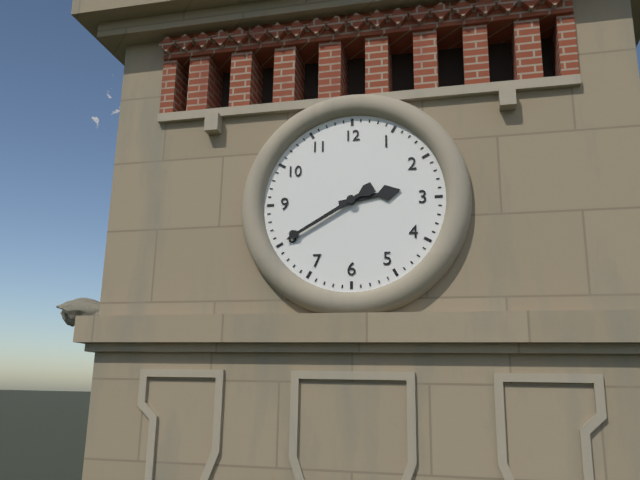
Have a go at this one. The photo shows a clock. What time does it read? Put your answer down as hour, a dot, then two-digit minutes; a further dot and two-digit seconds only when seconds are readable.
2.40
